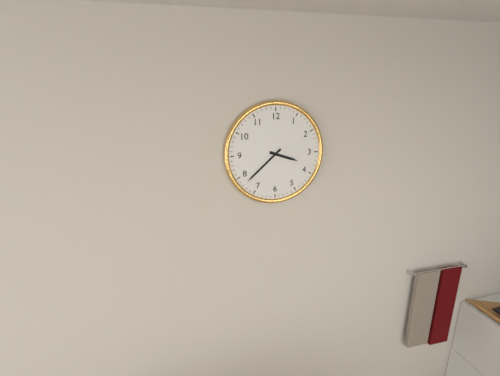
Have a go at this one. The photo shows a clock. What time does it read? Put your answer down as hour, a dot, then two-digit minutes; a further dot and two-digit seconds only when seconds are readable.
3.38
